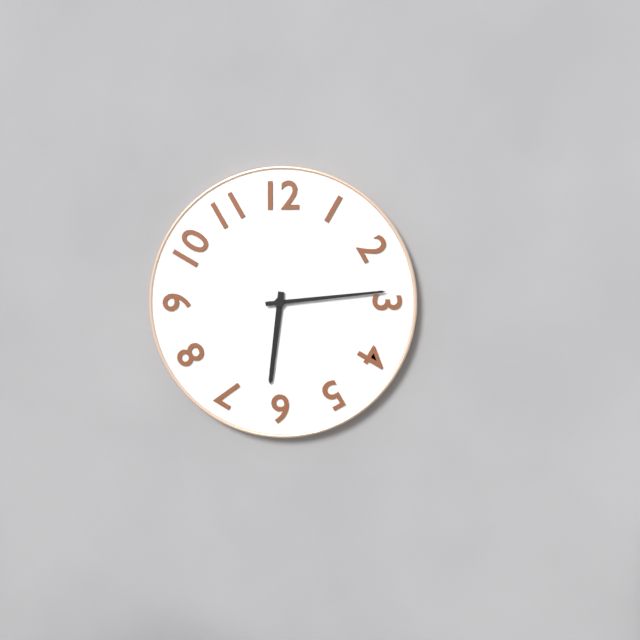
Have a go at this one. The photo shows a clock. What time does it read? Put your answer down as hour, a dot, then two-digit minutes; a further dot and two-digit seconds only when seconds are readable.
6.14
